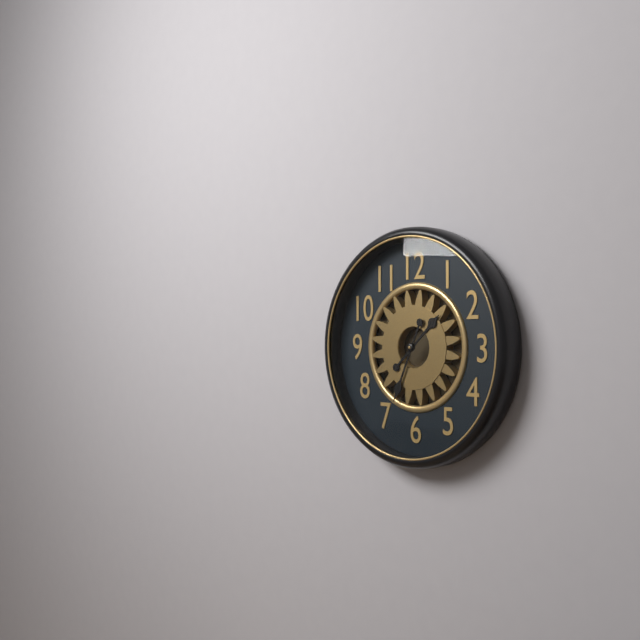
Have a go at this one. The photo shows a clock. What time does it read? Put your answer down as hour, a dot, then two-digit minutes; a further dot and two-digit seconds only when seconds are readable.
1.34
